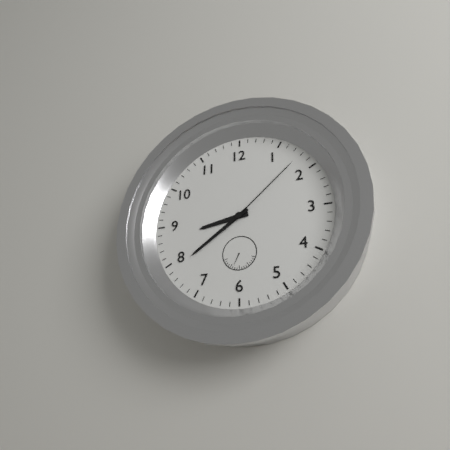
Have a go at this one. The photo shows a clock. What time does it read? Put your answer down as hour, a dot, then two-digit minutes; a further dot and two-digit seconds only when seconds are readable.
8.39.08
